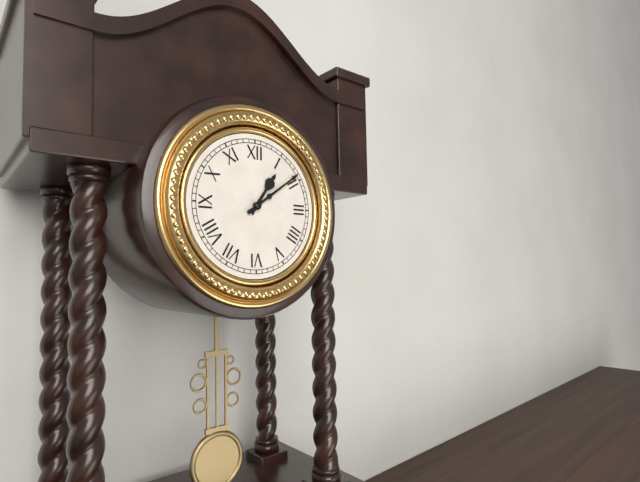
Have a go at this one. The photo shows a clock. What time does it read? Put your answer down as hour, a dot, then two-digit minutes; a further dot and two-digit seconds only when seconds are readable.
1.09
